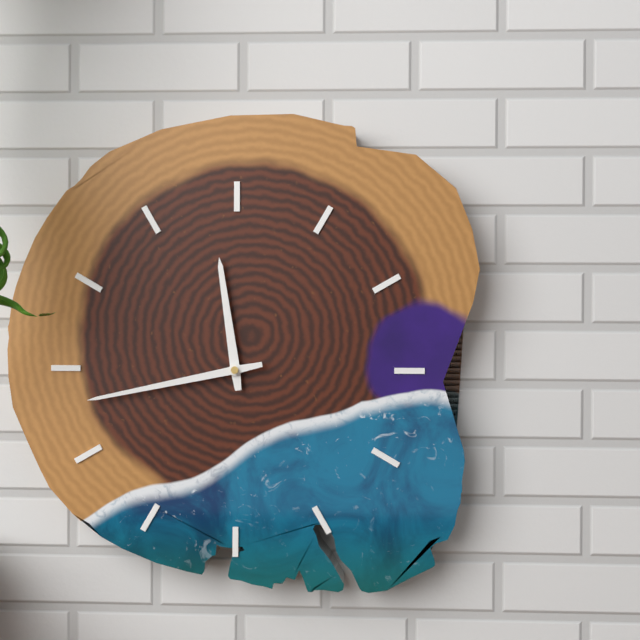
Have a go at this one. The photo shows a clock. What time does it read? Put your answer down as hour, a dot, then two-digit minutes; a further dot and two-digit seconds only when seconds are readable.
11.43
